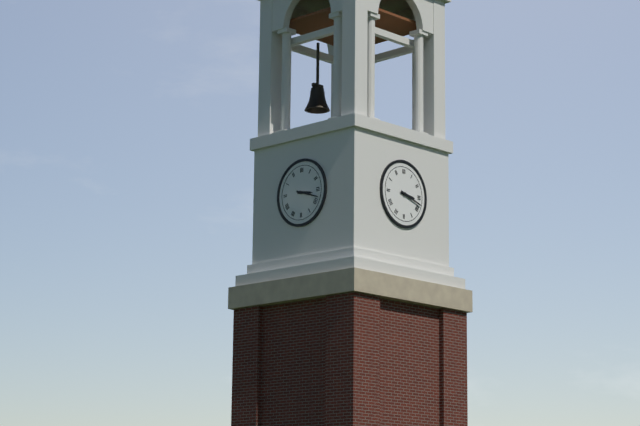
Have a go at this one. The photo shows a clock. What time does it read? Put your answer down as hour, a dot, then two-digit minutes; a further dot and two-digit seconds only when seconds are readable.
3.18
